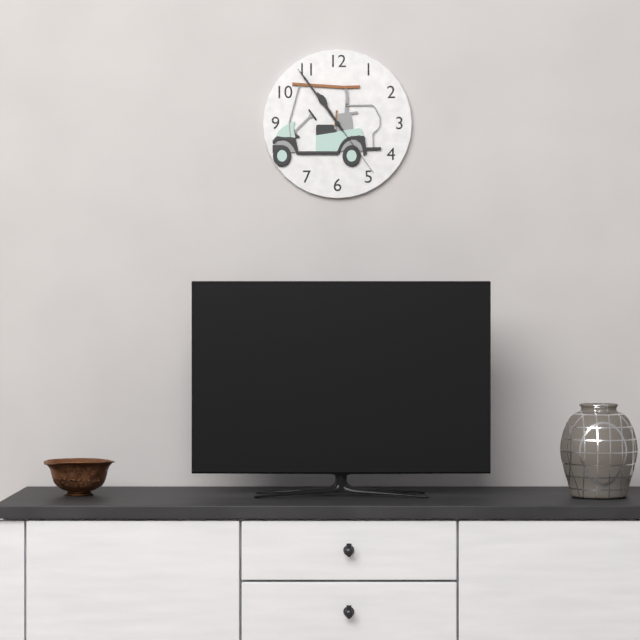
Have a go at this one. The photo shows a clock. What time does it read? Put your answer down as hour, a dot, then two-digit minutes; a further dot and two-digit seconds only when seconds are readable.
10.54.24
